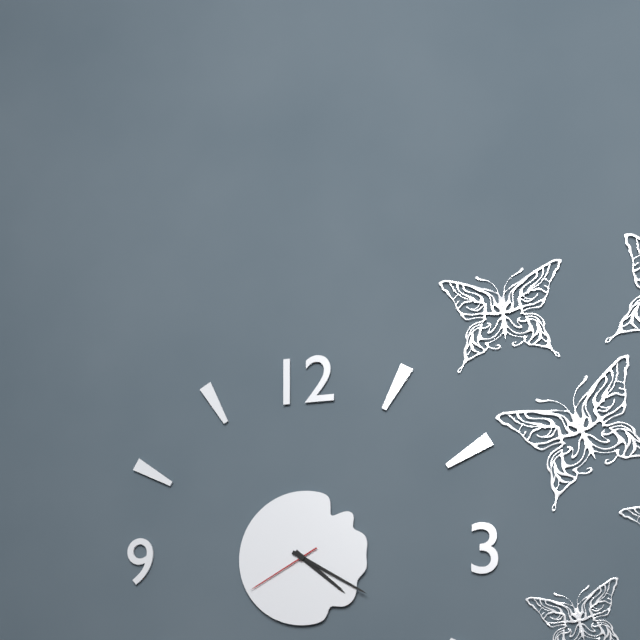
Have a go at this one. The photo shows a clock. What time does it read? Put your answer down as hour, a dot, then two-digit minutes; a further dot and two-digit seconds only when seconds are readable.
4.20.40
